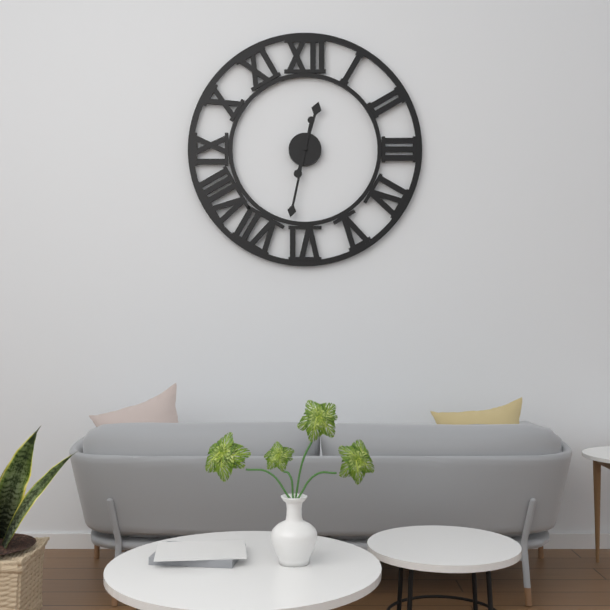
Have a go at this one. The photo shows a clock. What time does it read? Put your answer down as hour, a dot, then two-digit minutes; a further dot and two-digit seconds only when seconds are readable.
12.32
